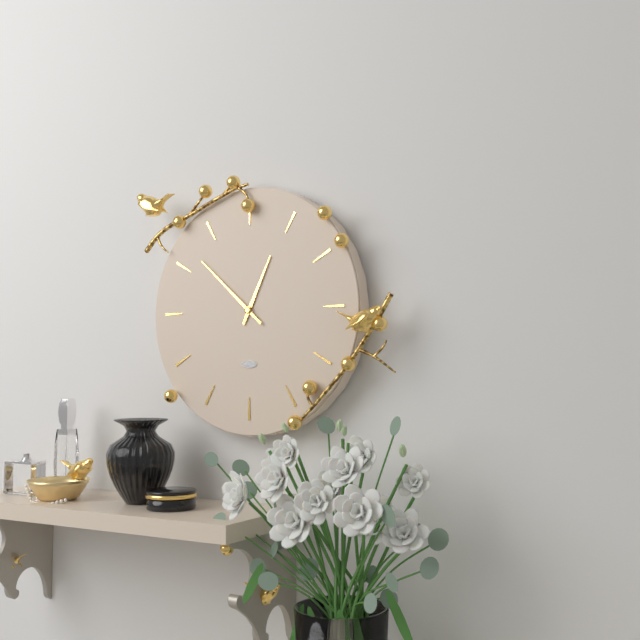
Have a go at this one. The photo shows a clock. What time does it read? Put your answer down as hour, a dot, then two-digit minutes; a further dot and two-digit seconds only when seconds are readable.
12.52
